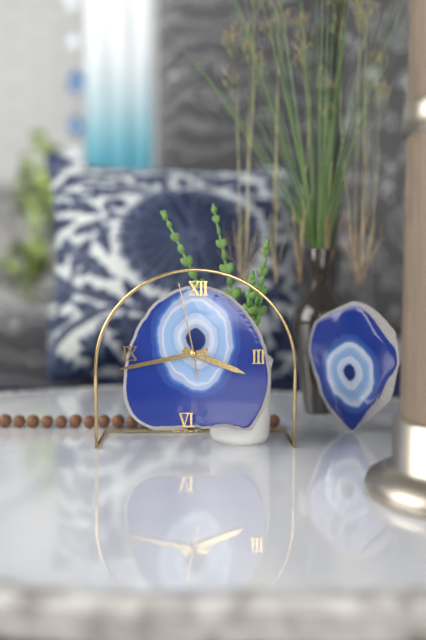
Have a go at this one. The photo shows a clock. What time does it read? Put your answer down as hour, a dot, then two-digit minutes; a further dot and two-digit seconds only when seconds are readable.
3.43.58
